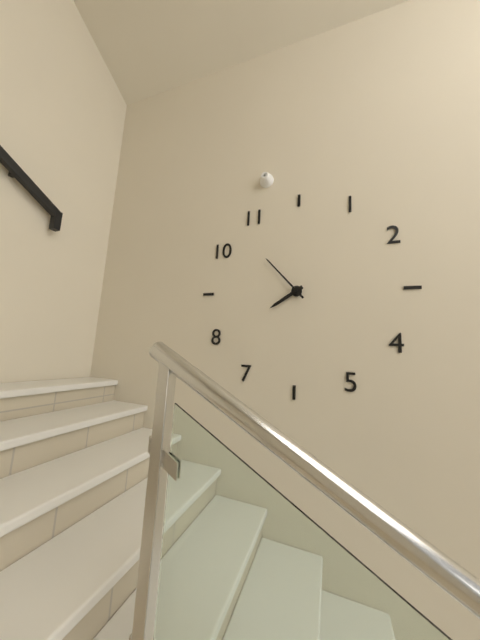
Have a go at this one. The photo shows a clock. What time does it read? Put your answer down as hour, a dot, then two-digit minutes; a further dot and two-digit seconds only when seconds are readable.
7.53
